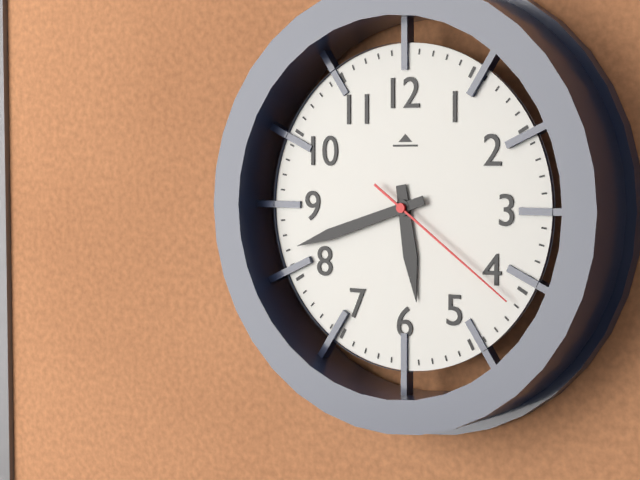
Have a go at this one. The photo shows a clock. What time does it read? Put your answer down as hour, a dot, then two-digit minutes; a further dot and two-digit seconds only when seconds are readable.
5.42.21
